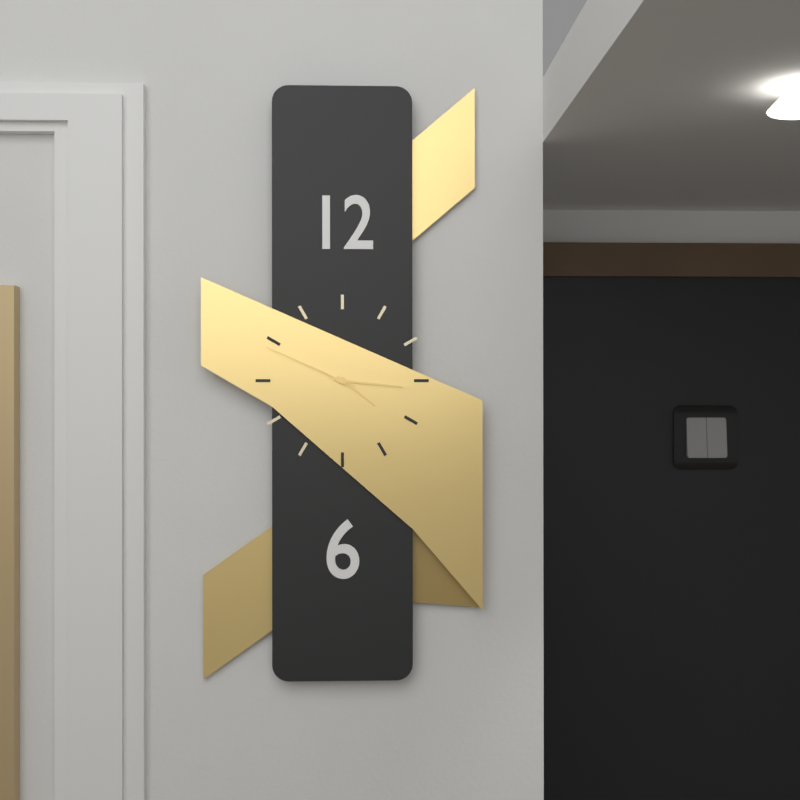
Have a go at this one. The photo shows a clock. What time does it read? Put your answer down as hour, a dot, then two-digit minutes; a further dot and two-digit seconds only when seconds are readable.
4.16.49
